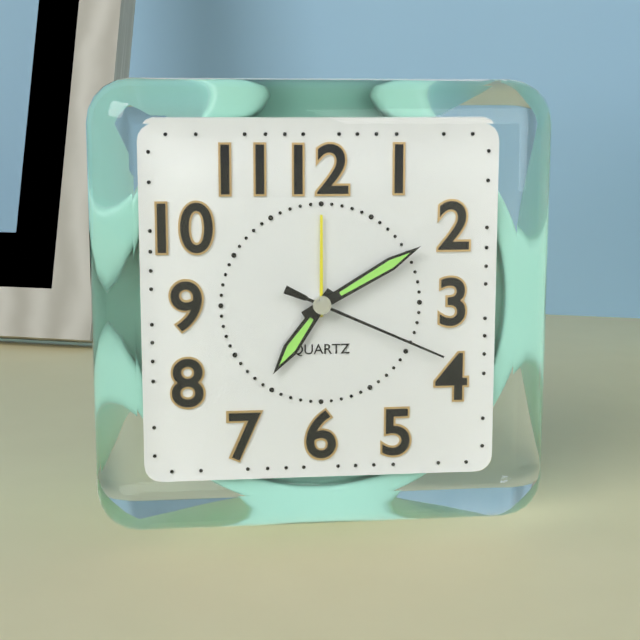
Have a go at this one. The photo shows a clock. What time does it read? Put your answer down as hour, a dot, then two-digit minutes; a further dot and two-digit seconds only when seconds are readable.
7.10.19
